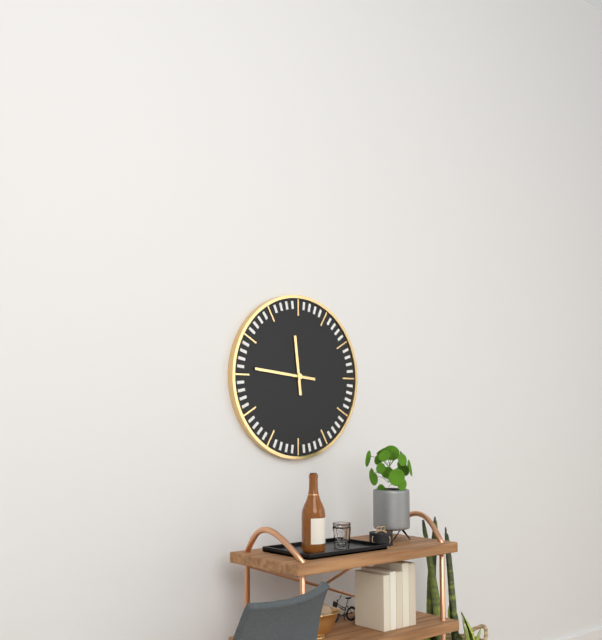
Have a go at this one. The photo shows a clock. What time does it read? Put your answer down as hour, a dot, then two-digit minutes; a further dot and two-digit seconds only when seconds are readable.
11.46
